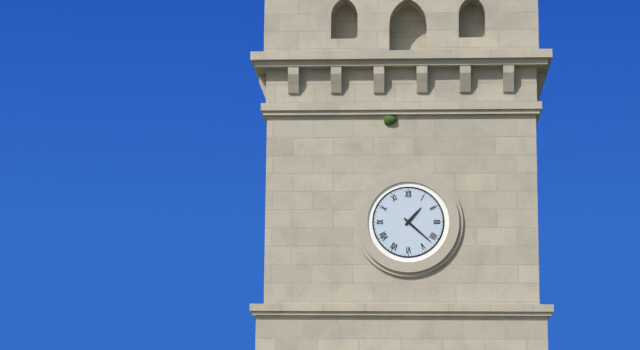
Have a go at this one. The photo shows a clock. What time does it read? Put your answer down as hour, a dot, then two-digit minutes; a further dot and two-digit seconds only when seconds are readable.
1.22
